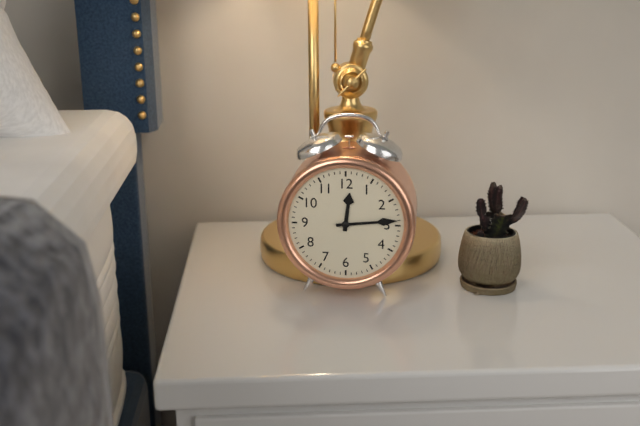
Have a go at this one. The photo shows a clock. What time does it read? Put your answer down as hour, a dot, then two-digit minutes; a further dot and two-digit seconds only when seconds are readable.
12.14
